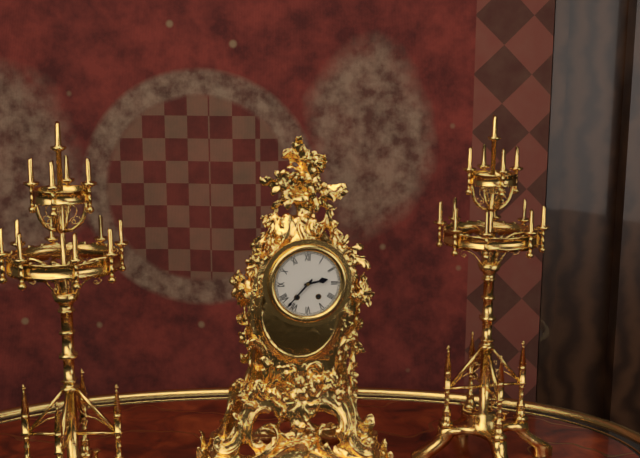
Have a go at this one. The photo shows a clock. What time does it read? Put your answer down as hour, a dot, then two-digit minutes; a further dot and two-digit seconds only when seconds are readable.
2.37
